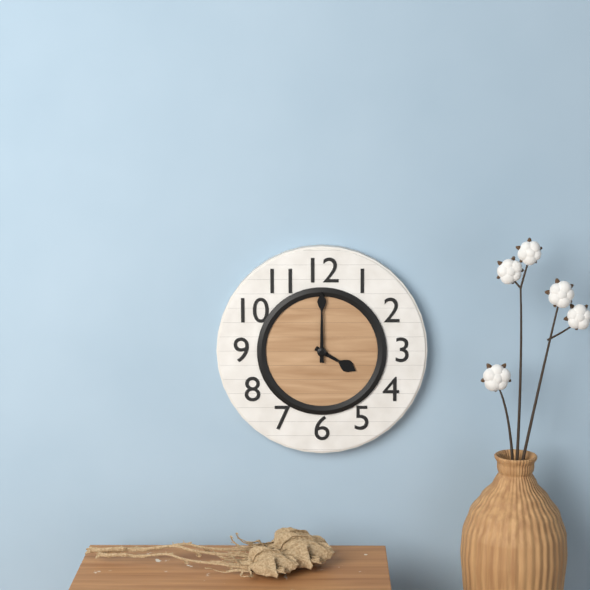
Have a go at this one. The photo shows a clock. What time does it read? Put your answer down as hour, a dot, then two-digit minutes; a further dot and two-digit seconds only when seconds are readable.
4.00
